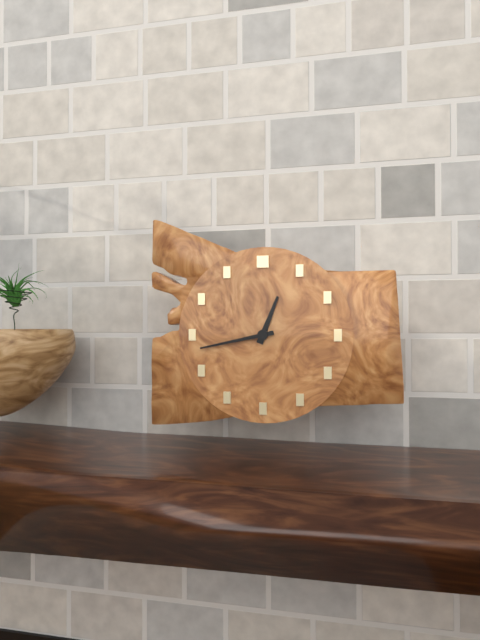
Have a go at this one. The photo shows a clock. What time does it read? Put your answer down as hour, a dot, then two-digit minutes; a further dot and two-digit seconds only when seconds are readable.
12.43
